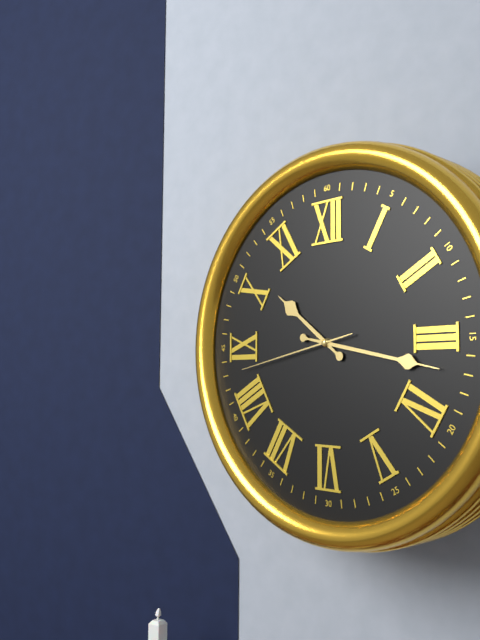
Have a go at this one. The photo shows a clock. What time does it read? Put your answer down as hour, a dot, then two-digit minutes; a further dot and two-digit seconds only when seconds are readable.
10.17.43
